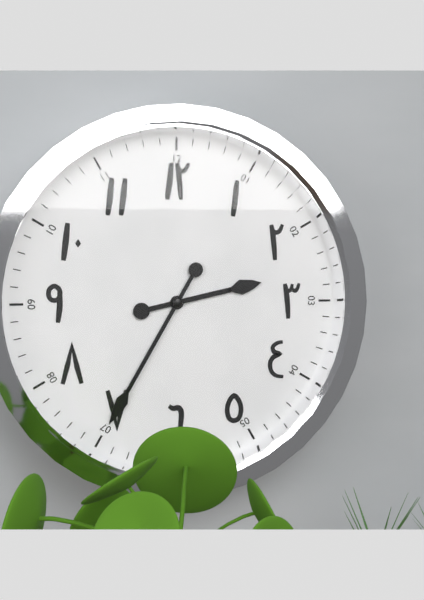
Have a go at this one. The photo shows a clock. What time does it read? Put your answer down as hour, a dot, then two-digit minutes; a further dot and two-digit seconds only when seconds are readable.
2.35
